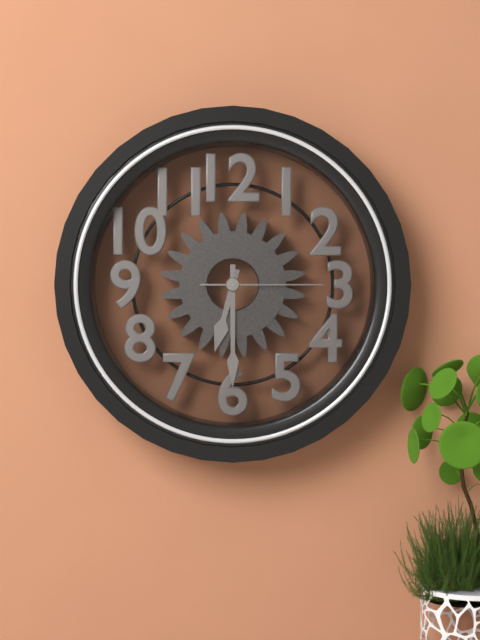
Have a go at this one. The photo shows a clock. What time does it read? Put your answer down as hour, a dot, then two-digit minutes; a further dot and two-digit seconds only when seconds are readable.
6.30.15
